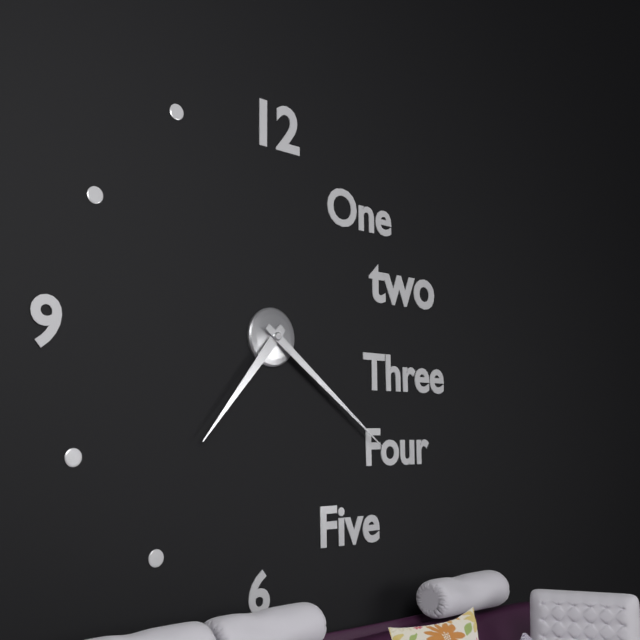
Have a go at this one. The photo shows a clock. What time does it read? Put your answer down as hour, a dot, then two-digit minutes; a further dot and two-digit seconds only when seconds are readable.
7.21
